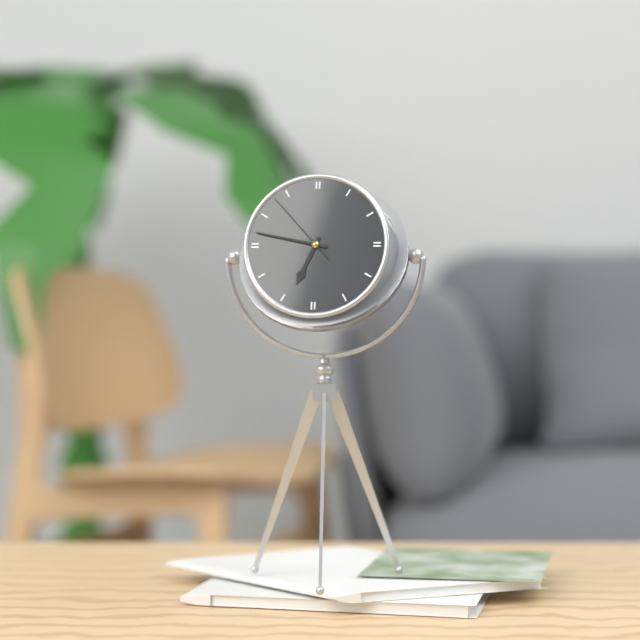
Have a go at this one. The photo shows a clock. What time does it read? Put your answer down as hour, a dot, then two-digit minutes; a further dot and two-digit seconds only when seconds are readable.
6.47.53
